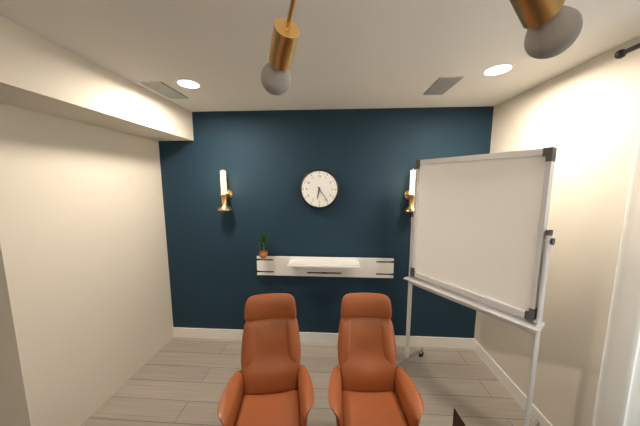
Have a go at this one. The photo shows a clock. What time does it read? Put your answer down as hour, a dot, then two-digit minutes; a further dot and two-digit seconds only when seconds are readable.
6.24
